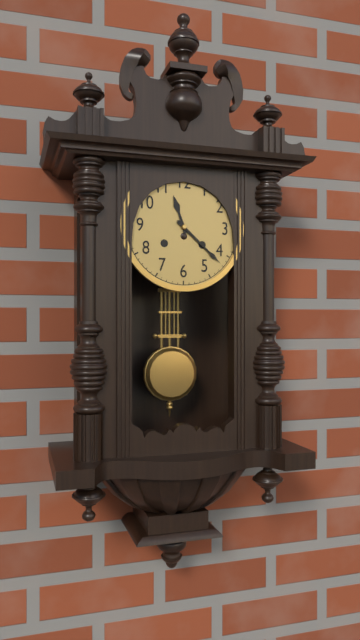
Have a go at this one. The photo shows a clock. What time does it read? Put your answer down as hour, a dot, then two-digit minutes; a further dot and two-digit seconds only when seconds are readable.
11.22
